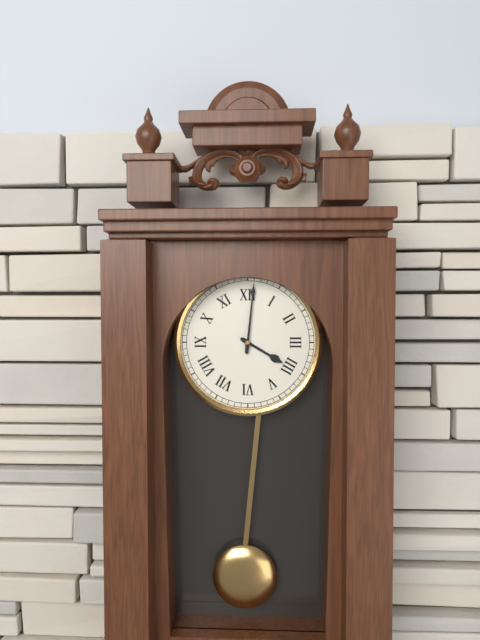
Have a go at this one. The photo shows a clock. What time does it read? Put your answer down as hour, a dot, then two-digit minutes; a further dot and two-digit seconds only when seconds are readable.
4.01
